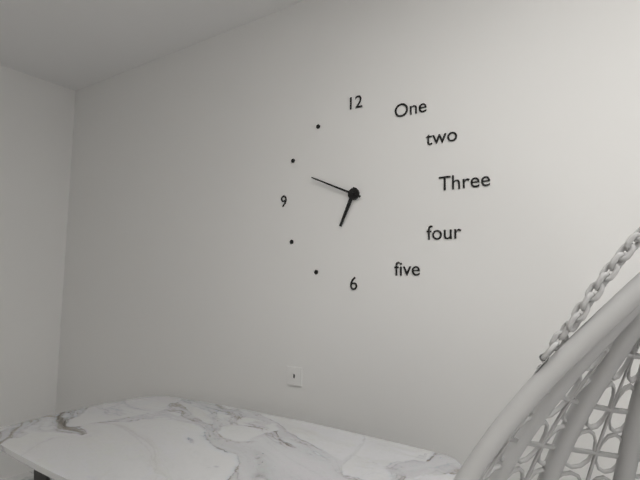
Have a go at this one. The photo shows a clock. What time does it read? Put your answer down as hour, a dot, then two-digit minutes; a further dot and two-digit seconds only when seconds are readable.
6.49
